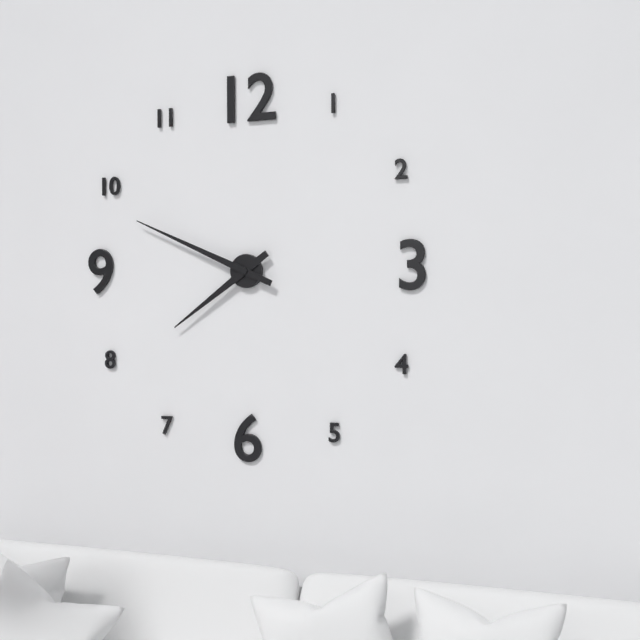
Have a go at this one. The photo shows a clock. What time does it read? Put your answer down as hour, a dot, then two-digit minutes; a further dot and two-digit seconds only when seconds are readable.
7.49
